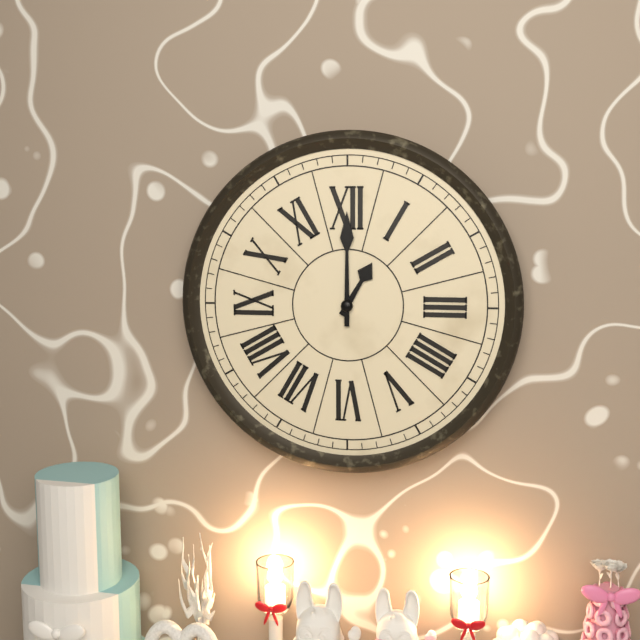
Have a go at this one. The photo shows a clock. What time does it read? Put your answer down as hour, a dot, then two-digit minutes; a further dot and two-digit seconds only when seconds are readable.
1.00
